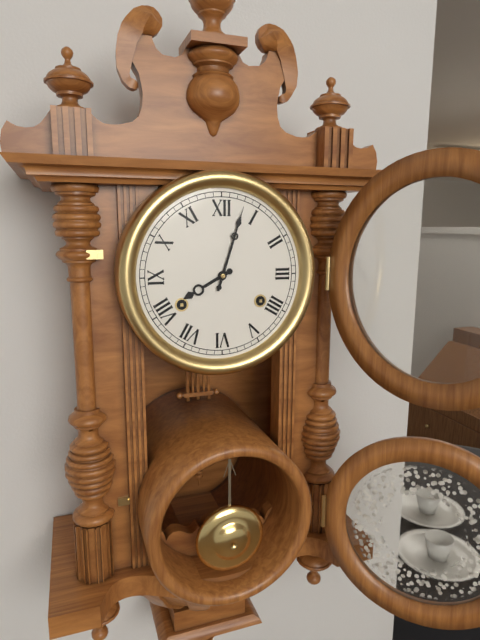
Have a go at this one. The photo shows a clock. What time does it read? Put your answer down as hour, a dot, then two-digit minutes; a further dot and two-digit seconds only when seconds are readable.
8.03
